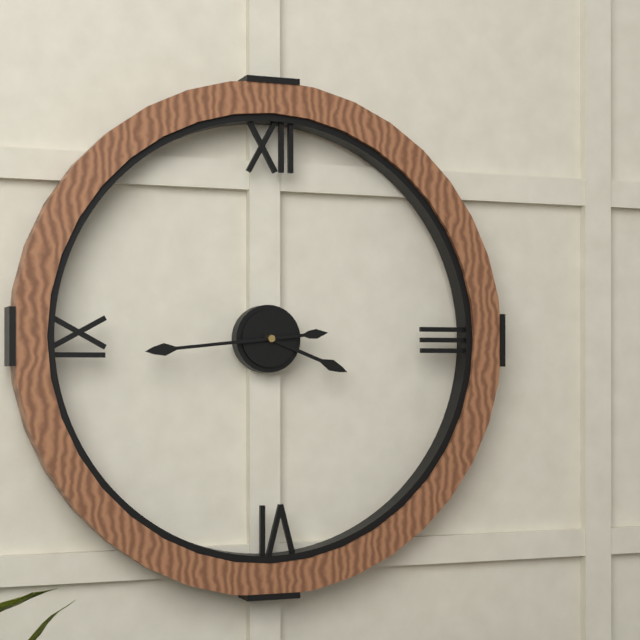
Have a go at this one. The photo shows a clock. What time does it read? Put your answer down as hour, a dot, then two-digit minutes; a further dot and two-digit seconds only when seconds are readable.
3.44
